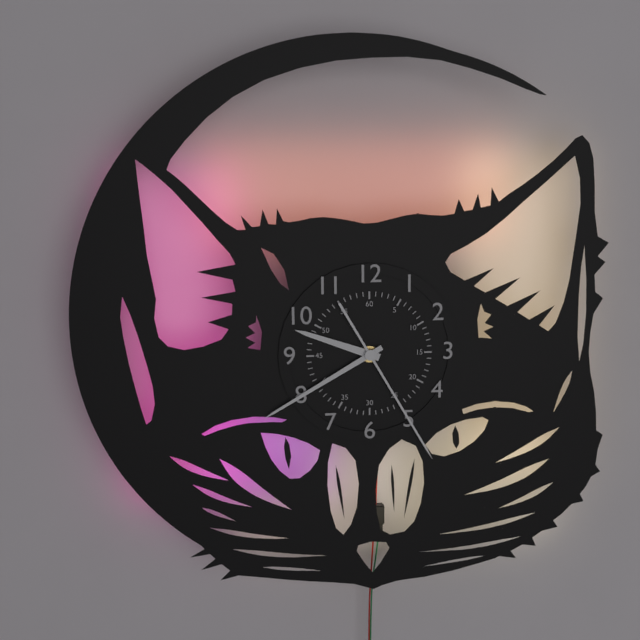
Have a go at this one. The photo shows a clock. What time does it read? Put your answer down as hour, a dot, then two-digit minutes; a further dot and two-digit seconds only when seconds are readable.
9.40.25
